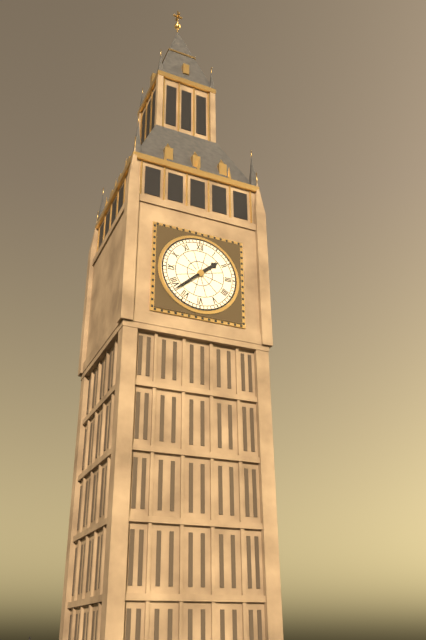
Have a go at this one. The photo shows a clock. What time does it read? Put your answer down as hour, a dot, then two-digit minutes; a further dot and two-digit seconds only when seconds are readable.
1.38
